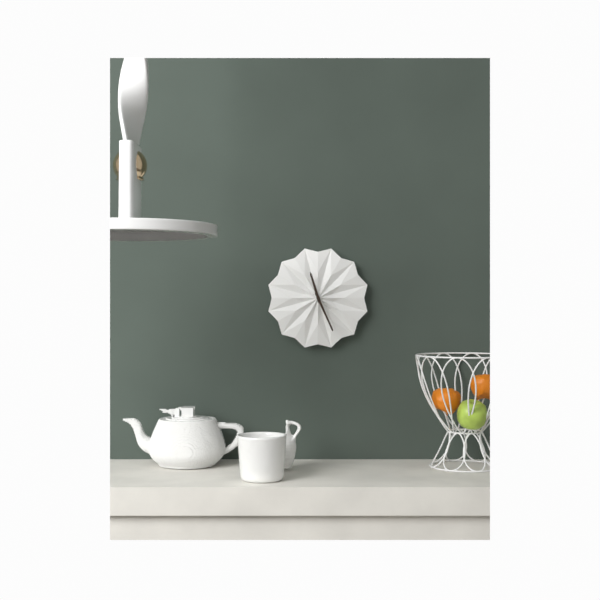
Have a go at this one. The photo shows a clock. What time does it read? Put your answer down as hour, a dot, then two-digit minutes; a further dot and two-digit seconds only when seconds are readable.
11.26
